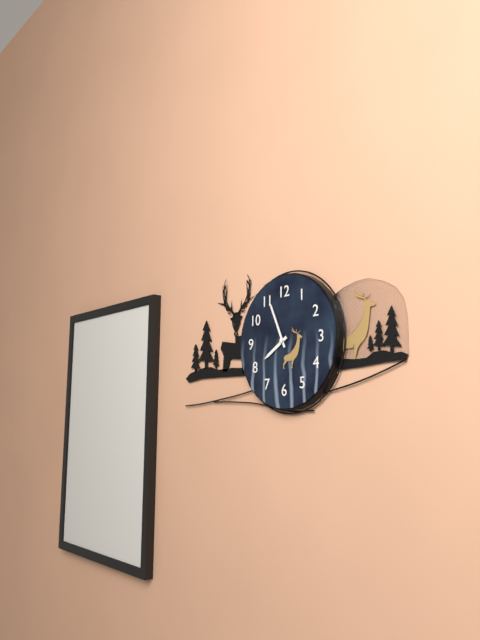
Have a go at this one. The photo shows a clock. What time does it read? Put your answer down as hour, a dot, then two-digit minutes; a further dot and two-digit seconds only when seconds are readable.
7.56
